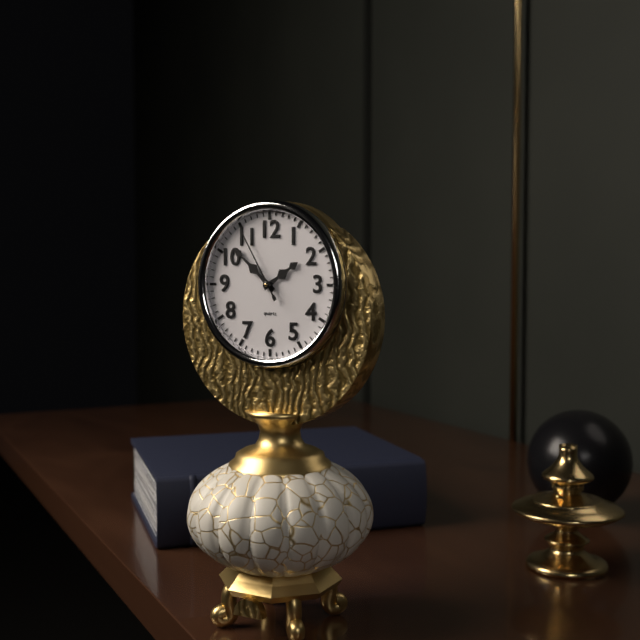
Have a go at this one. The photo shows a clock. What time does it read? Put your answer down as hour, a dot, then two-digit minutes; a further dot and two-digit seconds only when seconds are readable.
1.52.55
